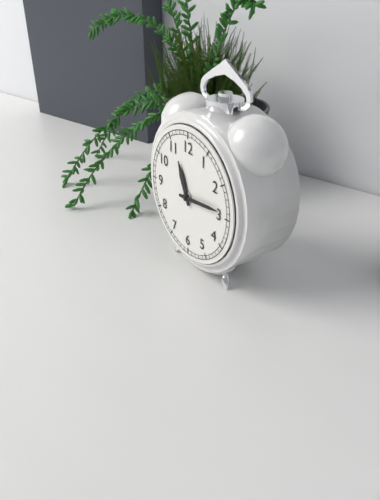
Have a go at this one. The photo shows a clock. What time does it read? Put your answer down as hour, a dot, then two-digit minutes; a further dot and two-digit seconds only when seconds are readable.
11.14
